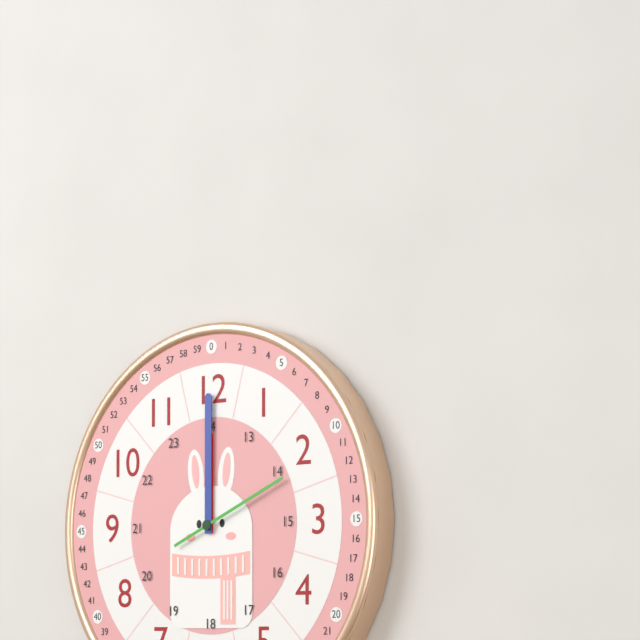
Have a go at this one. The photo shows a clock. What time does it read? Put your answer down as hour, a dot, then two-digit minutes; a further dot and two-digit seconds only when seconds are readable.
12.00.11
